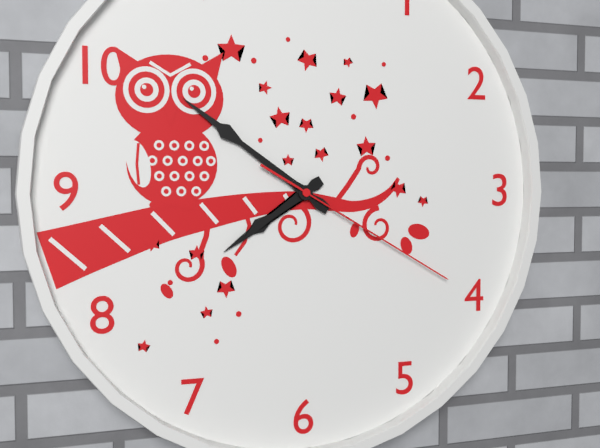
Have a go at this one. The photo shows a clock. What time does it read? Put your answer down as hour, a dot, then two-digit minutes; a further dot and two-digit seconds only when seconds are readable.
7.51.20
